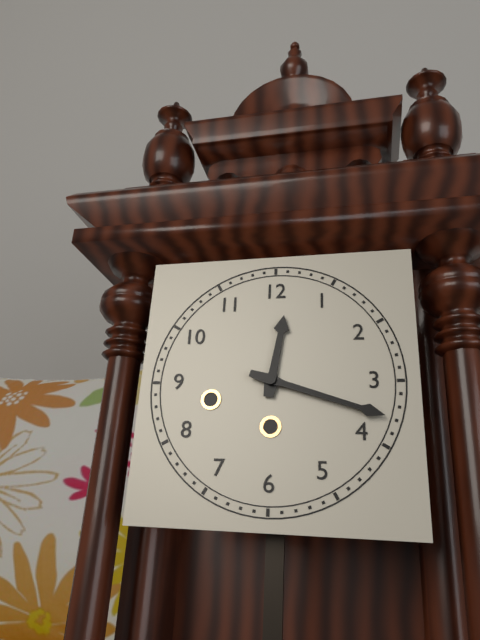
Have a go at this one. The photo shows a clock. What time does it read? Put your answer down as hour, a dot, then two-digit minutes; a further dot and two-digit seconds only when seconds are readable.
12.18
